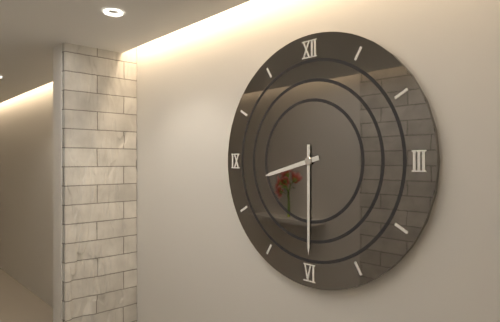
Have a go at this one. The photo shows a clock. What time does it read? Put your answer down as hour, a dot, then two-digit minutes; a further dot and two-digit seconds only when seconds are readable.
8.30
